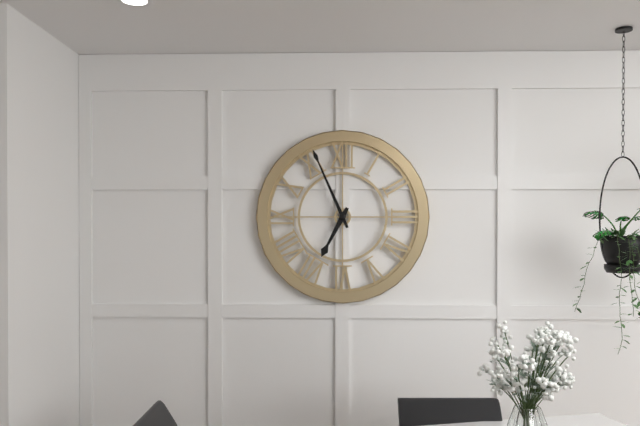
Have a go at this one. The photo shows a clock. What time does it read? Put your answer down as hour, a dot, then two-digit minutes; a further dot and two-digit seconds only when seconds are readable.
6.56
